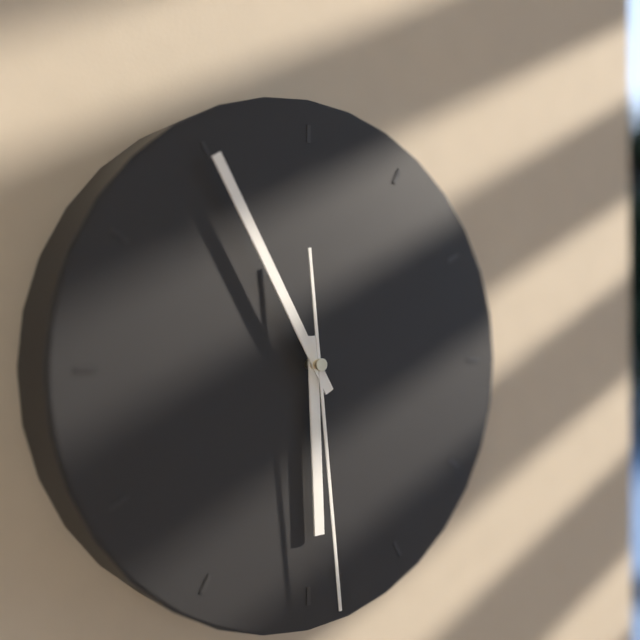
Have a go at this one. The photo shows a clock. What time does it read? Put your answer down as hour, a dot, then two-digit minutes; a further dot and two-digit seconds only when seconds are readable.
5.55.29
